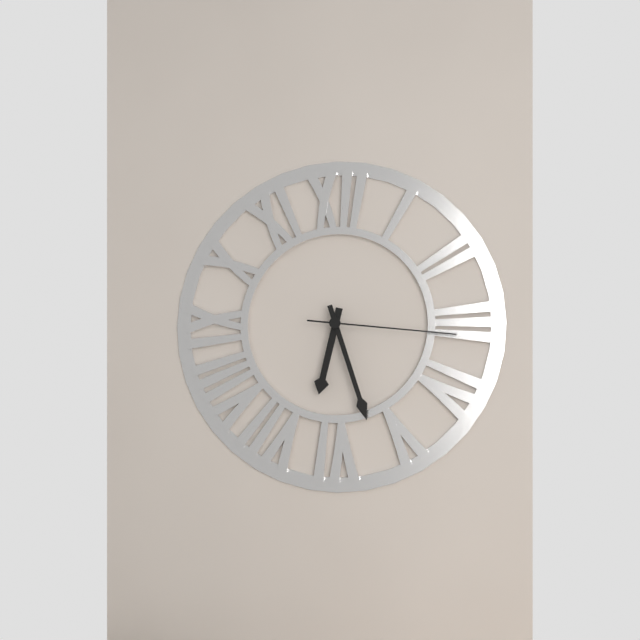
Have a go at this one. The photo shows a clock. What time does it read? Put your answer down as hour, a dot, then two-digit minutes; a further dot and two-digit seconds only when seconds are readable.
6.27.16
